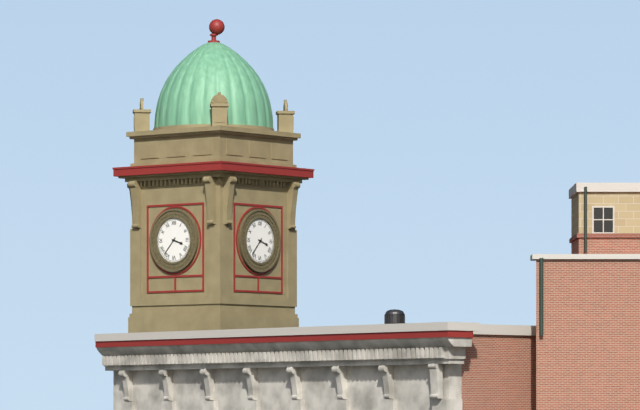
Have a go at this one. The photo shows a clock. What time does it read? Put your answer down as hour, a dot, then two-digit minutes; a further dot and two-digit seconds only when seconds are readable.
3.37
